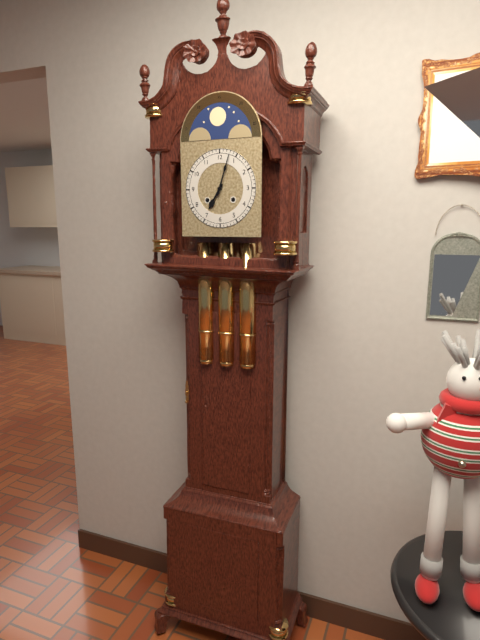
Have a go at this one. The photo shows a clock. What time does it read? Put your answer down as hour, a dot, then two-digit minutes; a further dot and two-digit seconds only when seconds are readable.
7.03
